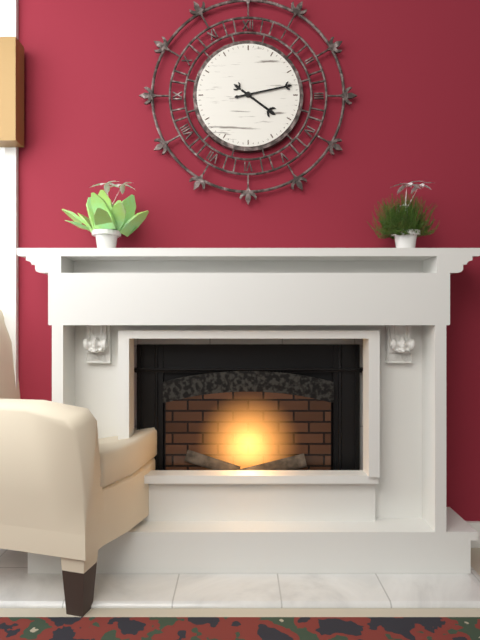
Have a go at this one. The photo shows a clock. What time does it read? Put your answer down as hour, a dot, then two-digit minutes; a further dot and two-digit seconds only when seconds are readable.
4.13
